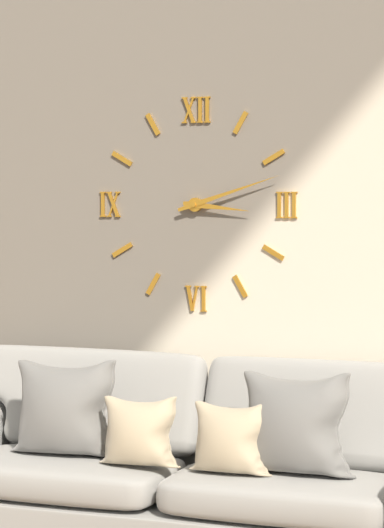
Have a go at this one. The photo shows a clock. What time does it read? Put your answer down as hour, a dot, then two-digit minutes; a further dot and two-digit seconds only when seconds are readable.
3.12
